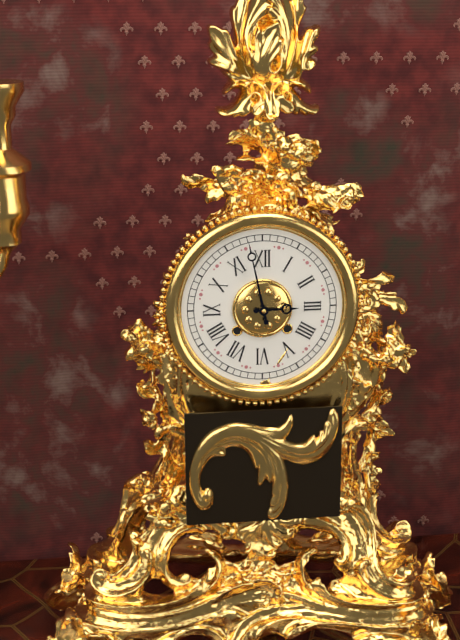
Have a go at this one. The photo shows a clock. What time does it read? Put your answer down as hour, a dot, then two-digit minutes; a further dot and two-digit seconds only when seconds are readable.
2.58
